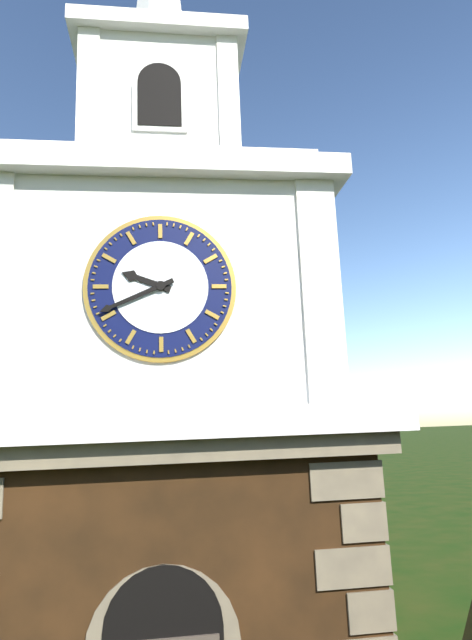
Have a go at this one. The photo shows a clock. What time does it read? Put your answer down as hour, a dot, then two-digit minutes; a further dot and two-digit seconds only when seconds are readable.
9.41
